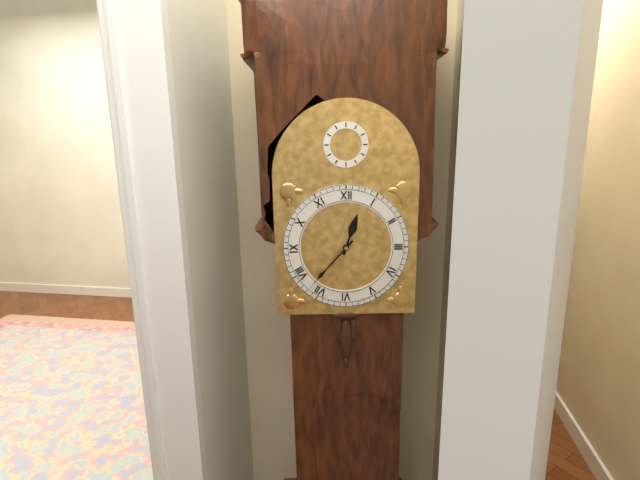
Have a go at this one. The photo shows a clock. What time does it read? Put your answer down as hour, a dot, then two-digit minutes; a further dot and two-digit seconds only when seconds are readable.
12.37
